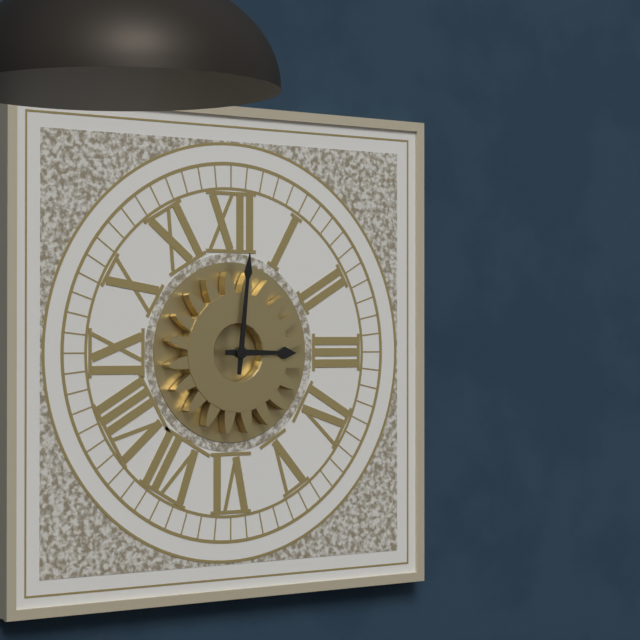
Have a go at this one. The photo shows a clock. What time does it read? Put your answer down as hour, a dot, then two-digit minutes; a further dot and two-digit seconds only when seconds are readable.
3.01
